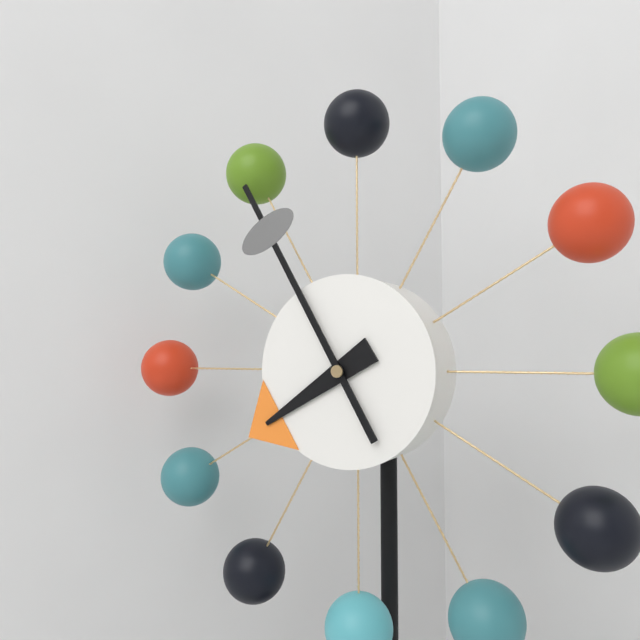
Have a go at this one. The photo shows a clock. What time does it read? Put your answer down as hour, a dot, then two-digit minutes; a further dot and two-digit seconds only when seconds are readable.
7.55
